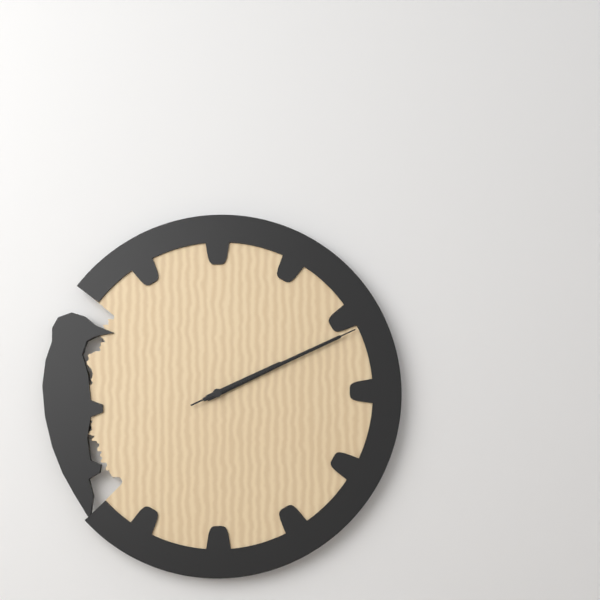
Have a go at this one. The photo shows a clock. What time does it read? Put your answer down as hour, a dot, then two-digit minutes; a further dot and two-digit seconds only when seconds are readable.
2.11.11
